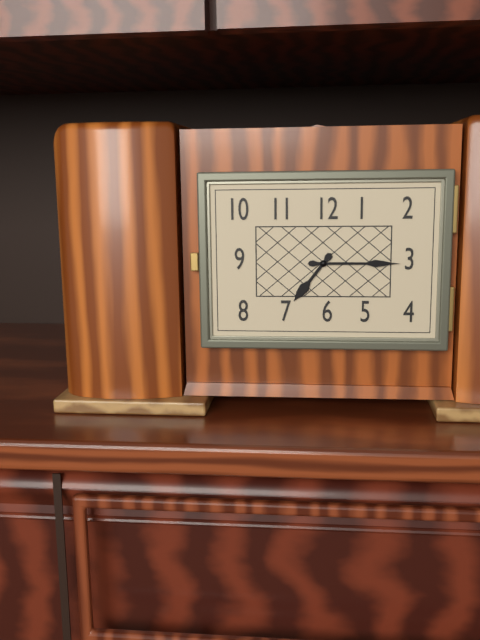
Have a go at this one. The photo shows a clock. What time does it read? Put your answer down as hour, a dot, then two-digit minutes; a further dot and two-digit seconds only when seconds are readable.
7.15
